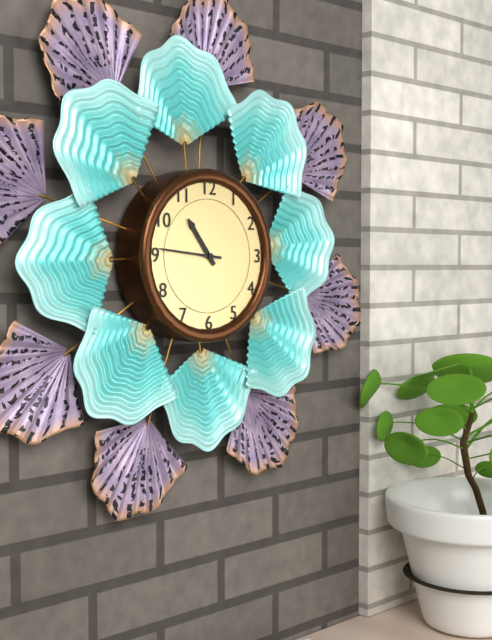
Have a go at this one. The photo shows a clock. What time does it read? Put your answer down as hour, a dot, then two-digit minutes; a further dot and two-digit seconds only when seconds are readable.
10.46
